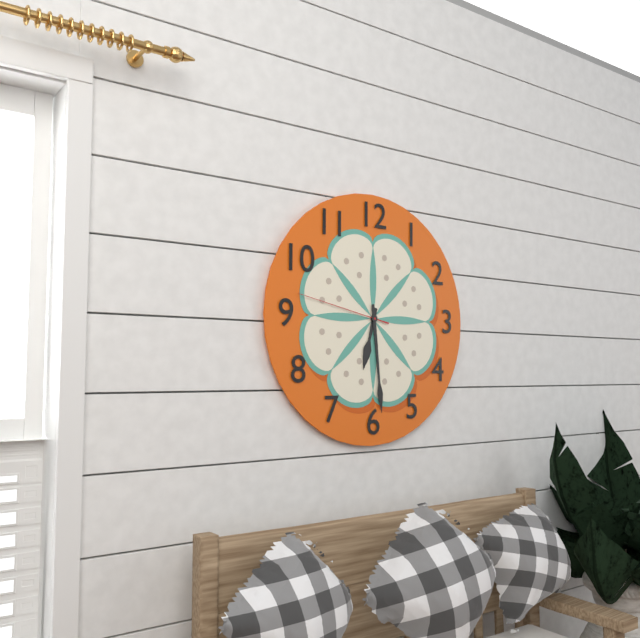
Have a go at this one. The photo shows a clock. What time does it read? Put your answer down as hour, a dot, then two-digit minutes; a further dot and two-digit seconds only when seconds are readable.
6.29.47
